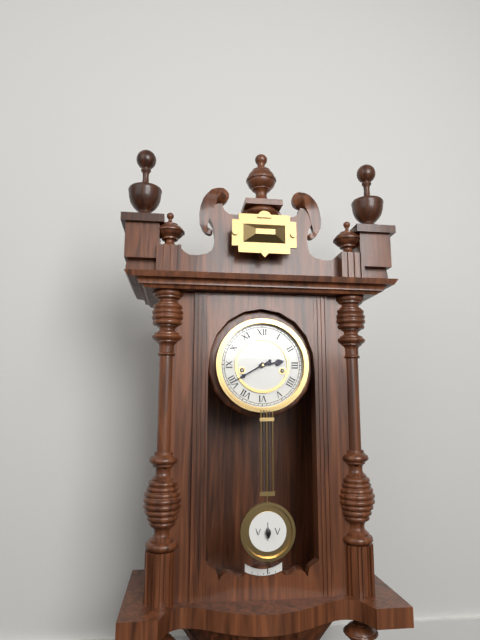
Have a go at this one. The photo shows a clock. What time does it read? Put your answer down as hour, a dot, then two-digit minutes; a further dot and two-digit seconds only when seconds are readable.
2.40
